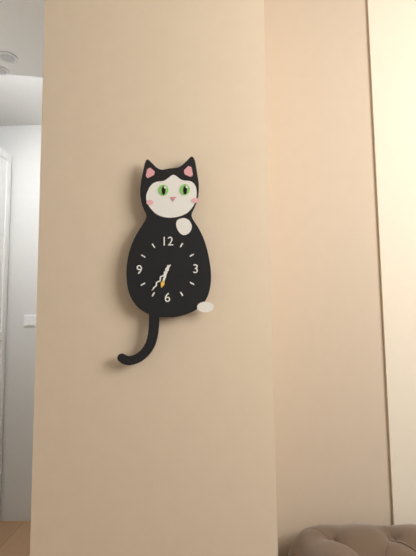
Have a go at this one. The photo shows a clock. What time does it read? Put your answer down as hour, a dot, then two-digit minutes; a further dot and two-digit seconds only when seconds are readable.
6.36
